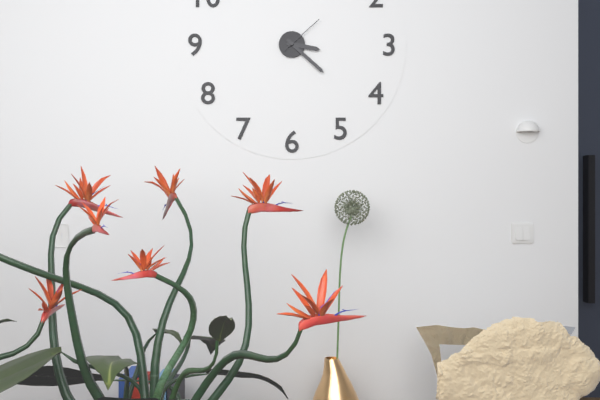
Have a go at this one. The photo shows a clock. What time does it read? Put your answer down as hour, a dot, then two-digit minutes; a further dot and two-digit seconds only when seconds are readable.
3.22
